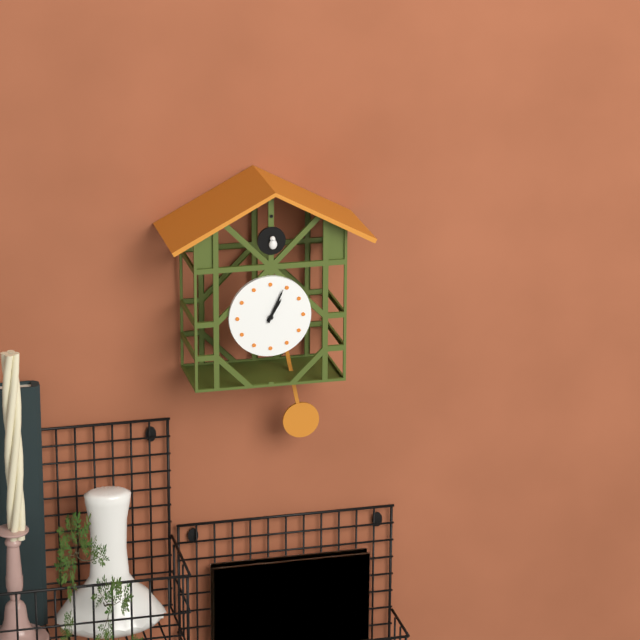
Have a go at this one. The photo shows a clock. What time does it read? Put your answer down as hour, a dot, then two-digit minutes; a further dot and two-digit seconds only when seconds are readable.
1.04
